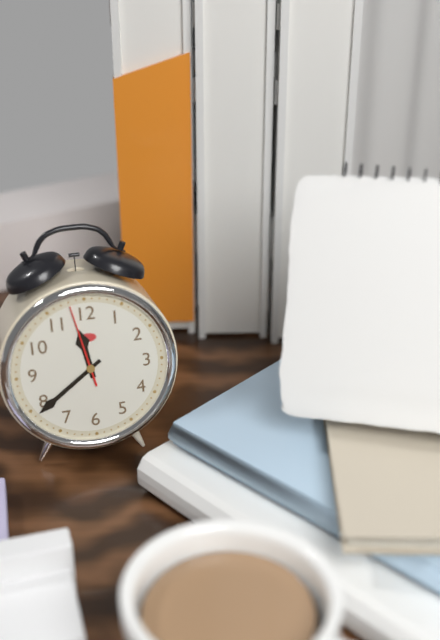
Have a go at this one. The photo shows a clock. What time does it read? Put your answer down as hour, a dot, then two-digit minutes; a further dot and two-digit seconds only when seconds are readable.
11.39.58
